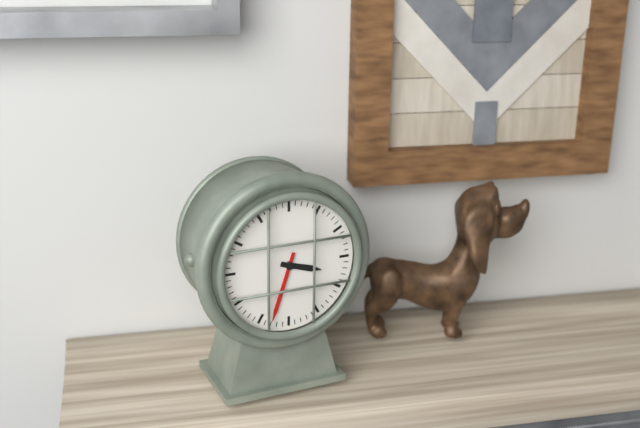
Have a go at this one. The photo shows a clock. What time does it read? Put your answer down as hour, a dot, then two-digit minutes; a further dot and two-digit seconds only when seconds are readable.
3.33
